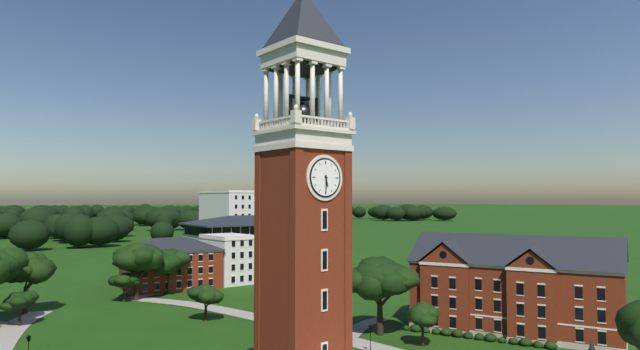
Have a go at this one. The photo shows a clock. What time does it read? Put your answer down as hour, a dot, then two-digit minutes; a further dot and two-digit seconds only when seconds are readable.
5.30
